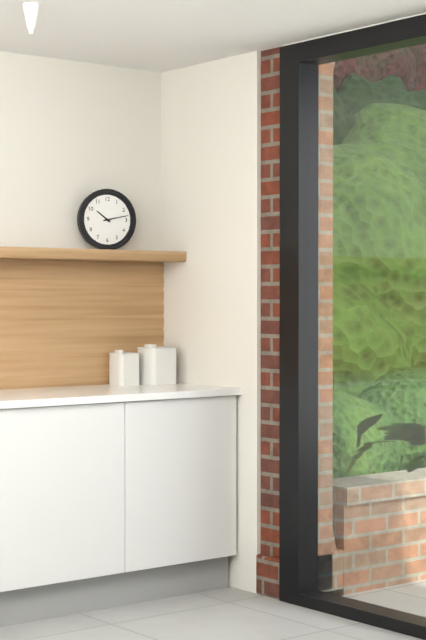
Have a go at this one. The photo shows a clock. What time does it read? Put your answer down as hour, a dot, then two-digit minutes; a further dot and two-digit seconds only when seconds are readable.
10.13
